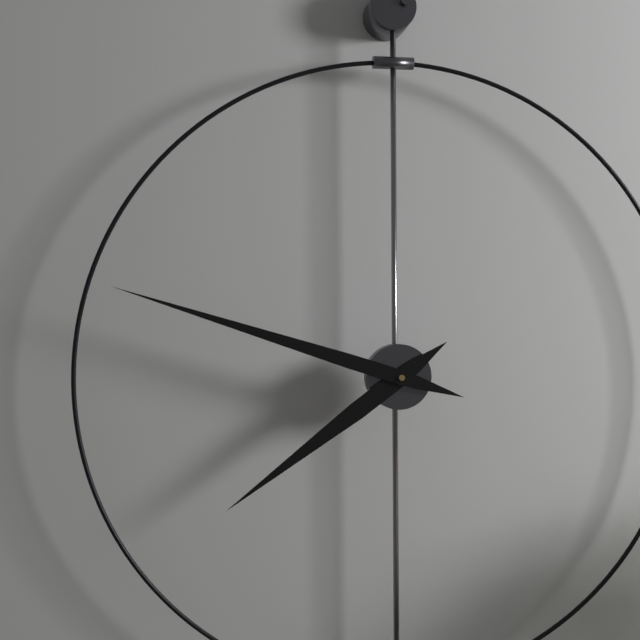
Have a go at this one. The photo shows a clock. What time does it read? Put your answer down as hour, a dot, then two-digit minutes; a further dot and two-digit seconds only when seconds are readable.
7.48
